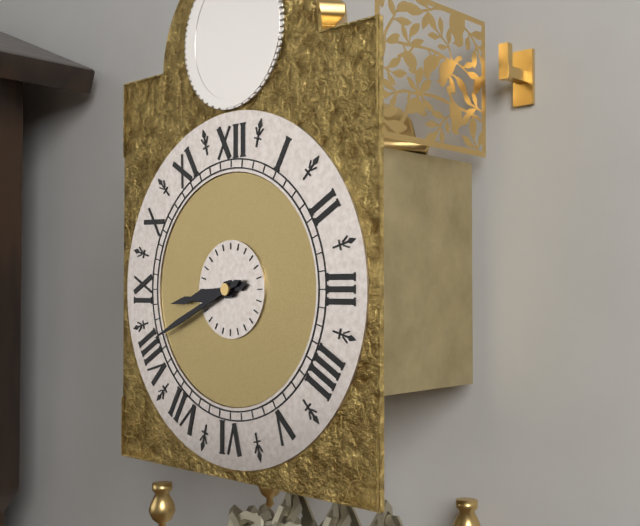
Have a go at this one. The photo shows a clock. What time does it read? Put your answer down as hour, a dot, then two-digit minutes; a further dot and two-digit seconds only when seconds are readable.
8.41
